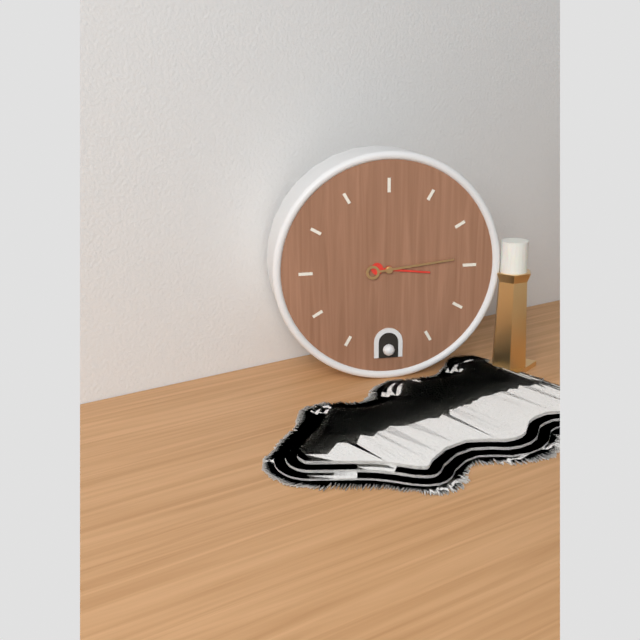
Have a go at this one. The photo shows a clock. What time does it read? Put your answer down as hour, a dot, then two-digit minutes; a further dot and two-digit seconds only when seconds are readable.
3.14
